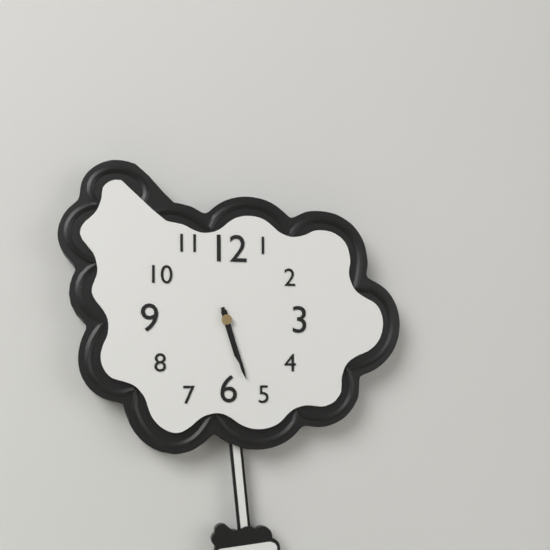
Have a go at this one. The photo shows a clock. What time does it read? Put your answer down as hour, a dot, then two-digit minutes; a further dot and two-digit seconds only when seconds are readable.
5.27
